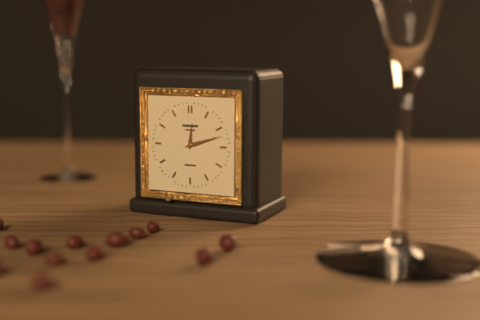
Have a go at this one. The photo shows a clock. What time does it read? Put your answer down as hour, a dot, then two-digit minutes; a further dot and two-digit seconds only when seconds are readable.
12.12
